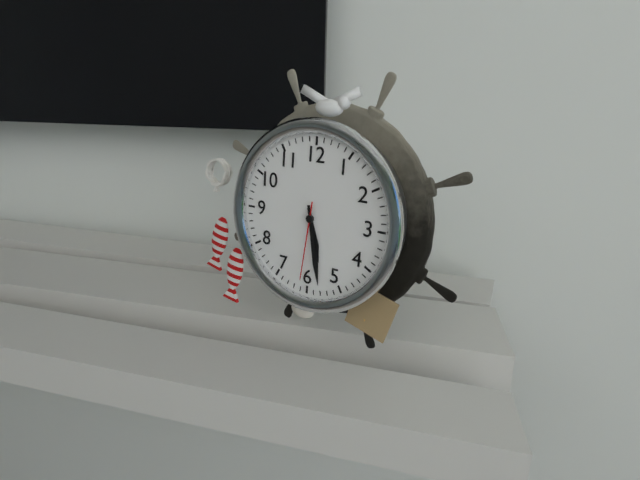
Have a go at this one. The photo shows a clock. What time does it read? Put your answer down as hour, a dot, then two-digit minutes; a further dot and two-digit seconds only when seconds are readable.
5.28.31
